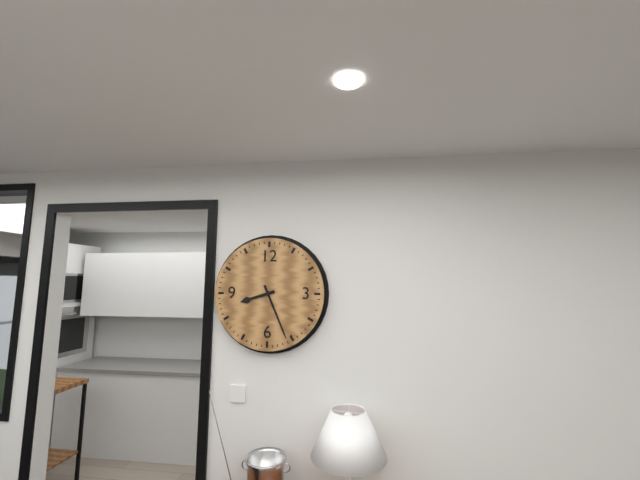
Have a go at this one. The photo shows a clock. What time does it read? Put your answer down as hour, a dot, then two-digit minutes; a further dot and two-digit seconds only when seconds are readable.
8.26
